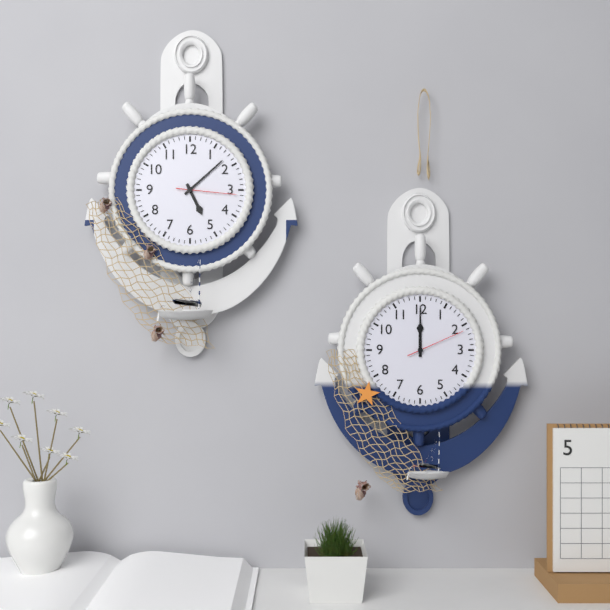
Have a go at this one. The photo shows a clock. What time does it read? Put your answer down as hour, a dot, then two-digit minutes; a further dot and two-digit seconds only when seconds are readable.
5.08.16
